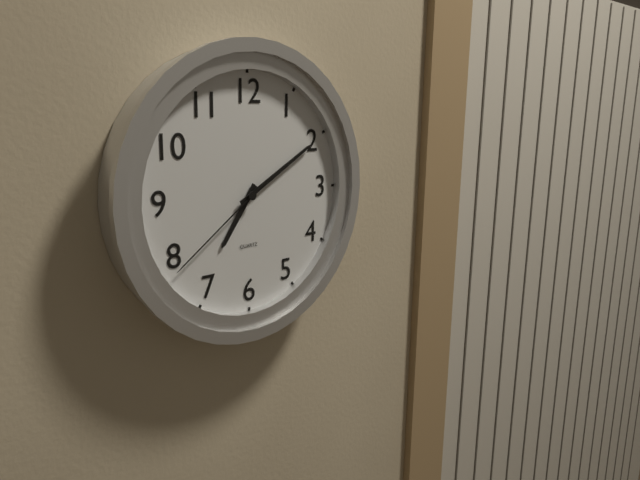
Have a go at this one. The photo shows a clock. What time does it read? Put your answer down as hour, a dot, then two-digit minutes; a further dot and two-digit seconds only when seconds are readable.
7.10.39
